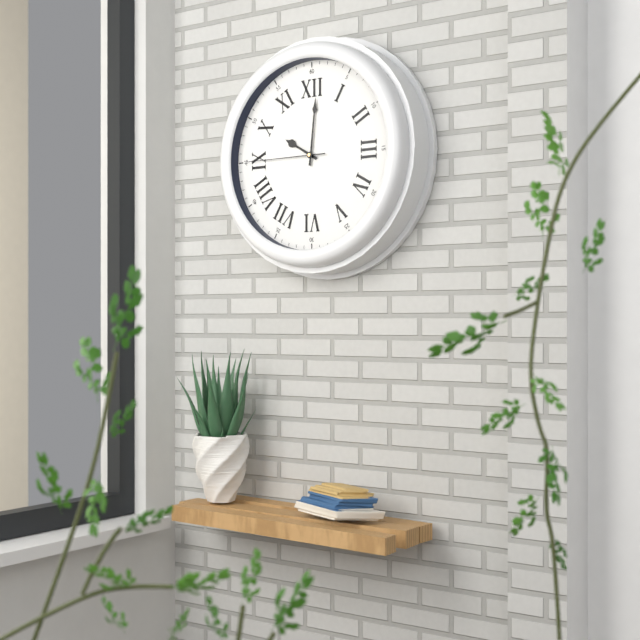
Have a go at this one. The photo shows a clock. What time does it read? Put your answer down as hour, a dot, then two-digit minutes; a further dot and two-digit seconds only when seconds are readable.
10.01.45
